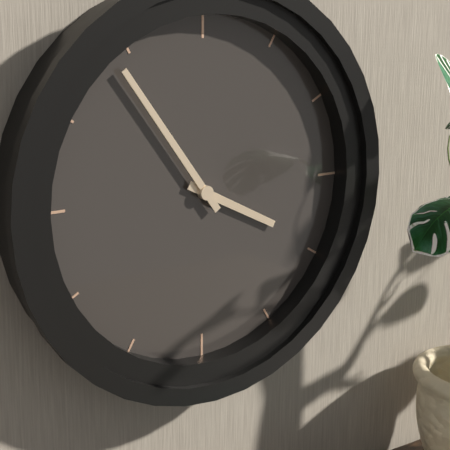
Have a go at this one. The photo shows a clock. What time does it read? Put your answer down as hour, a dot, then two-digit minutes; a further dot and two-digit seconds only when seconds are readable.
3.54
